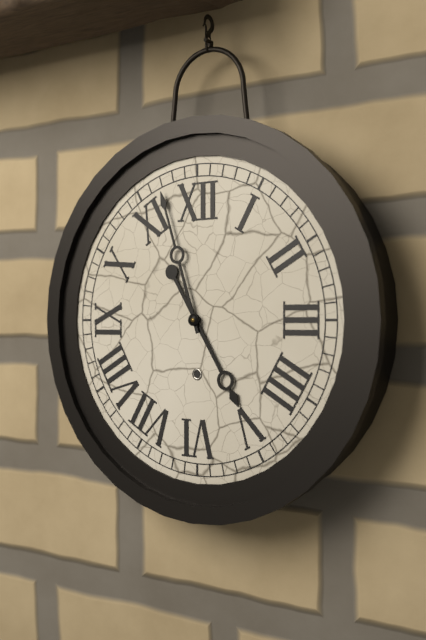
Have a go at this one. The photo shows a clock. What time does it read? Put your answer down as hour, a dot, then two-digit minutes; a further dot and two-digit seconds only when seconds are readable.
4.57
